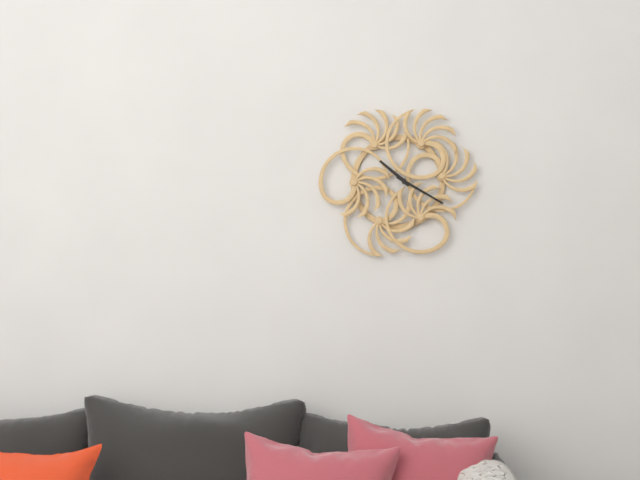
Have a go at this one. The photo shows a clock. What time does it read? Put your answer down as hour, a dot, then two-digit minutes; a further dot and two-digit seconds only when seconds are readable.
10.20
